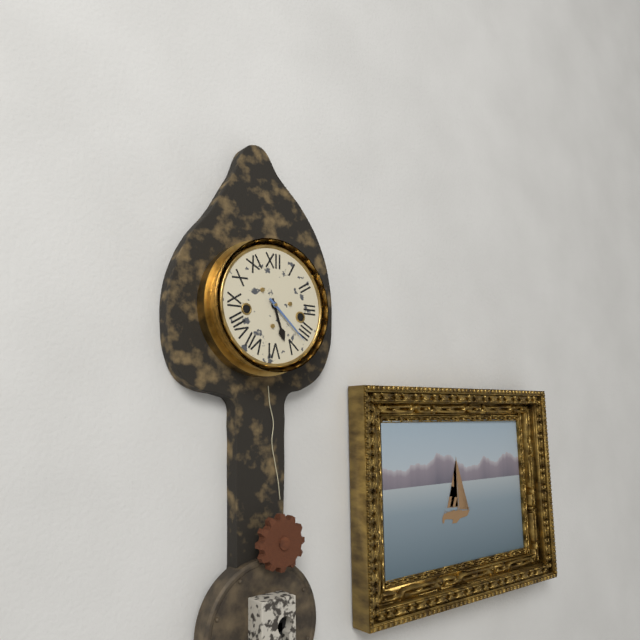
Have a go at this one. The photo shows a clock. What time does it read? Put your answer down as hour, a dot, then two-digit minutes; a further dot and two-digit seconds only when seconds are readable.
5.22
